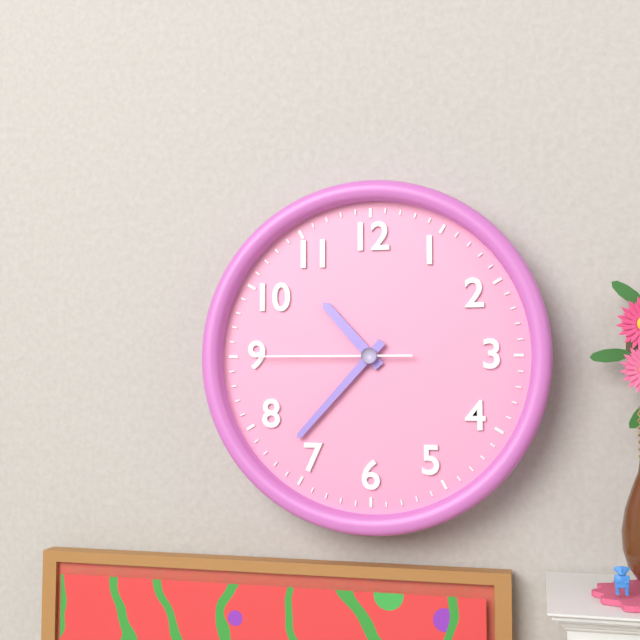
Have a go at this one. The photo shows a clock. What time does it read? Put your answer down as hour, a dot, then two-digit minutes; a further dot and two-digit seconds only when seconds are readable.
10.37.45
